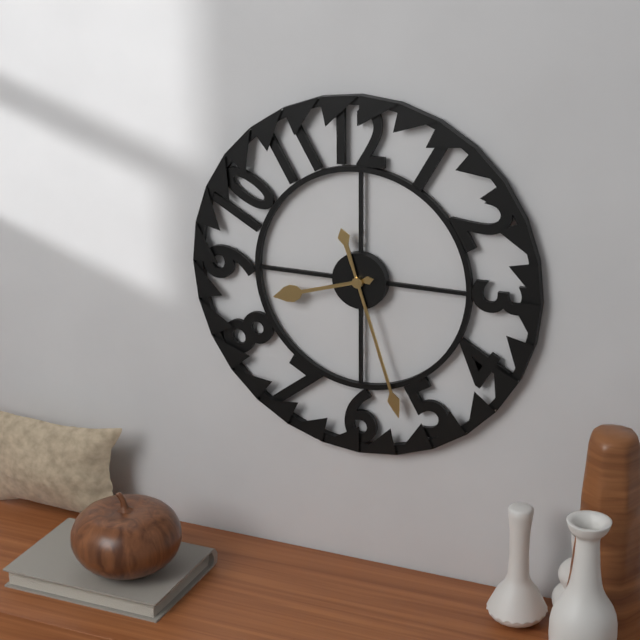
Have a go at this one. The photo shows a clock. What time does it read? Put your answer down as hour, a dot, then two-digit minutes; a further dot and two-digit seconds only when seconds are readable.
8.27
